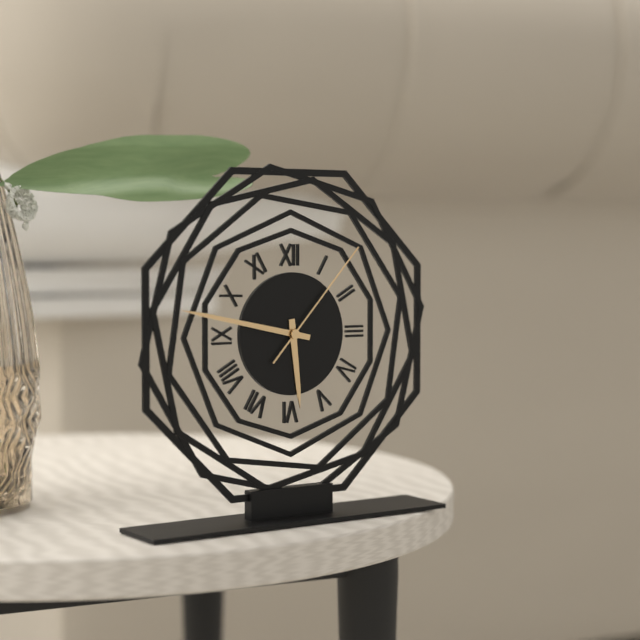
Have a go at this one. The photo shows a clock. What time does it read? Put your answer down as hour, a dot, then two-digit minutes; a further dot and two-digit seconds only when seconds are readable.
5.47.07
